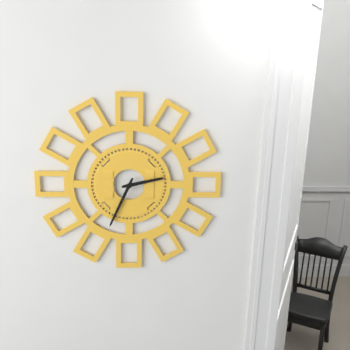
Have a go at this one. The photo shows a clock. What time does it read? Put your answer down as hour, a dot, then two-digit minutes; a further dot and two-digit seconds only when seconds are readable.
2.34
